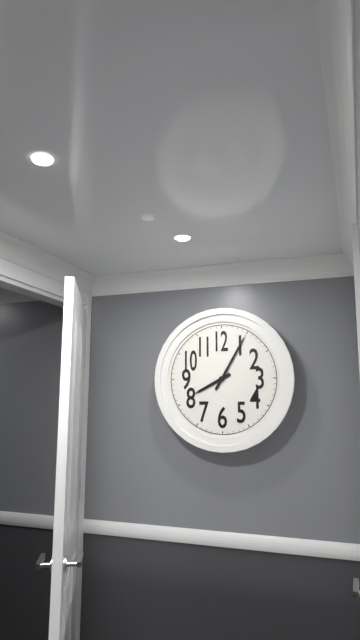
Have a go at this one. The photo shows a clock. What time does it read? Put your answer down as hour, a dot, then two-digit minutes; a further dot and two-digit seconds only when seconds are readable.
8.05
